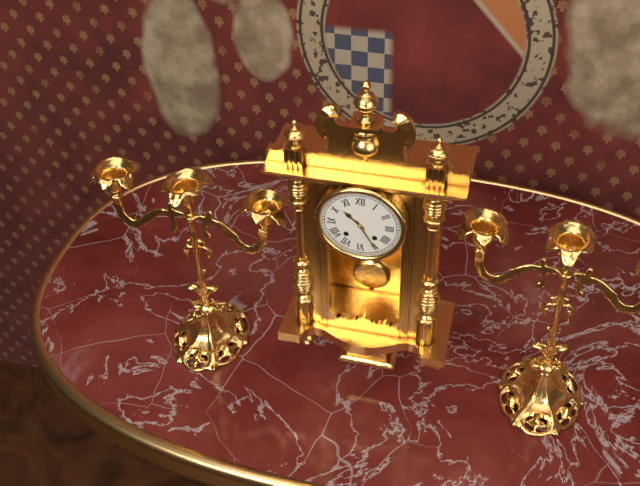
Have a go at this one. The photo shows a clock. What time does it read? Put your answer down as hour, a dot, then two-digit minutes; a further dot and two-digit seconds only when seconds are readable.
10.25
